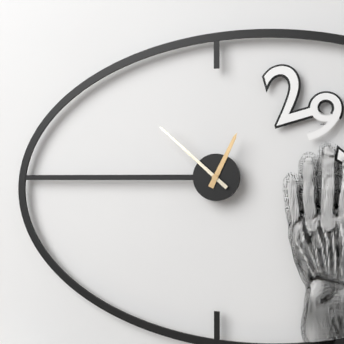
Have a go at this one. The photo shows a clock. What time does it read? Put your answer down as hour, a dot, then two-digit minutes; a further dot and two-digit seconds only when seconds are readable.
12.52
